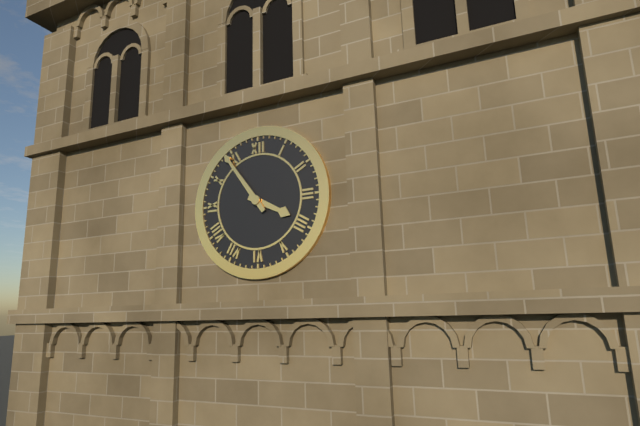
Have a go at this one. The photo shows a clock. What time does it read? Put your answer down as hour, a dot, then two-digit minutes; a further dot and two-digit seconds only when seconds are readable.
3.54
